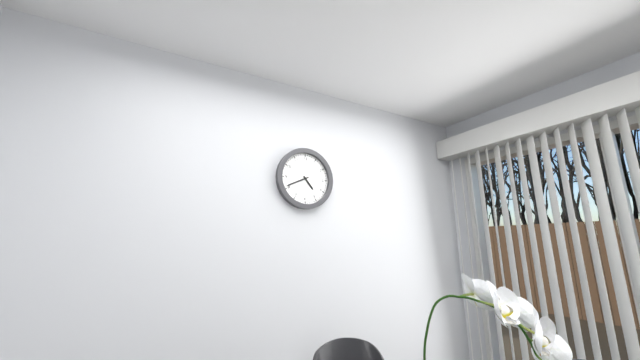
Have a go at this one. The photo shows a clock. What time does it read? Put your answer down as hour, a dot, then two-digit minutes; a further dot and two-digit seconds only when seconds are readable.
4.41
